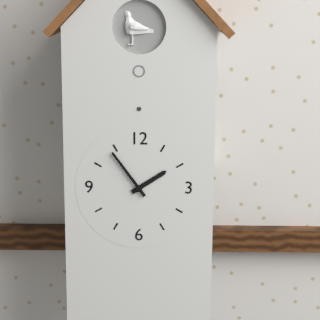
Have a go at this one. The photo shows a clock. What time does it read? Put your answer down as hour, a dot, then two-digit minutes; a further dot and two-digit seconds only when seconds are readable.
1.54
